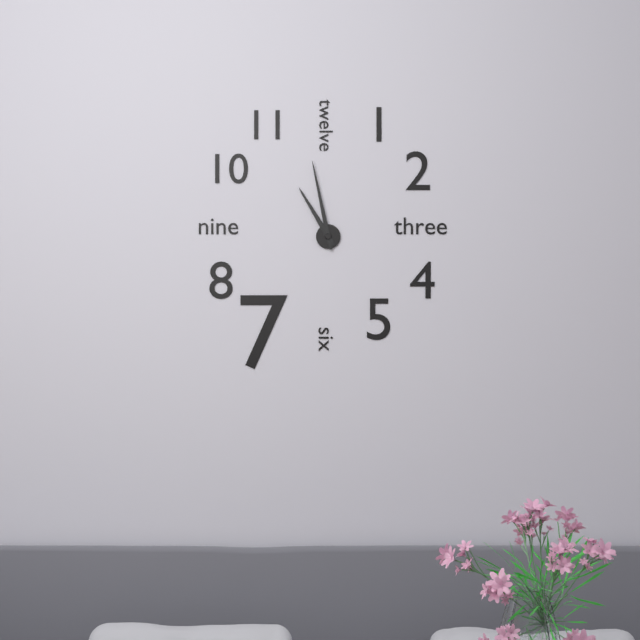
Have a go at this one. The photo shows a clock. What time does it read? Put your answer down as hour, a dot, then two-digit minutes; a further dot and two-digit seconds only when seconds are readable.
10.58
